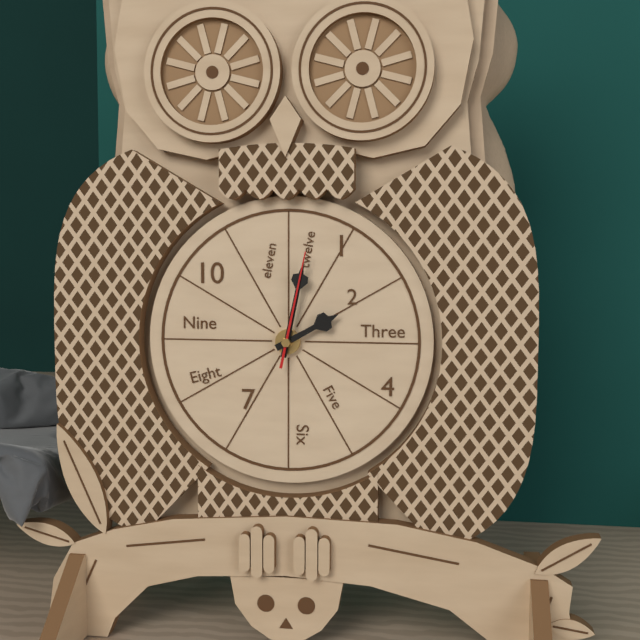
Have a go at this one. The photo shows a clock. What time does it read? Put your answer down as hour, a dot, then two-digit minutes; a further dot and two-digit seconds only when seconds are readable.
2.02.02
